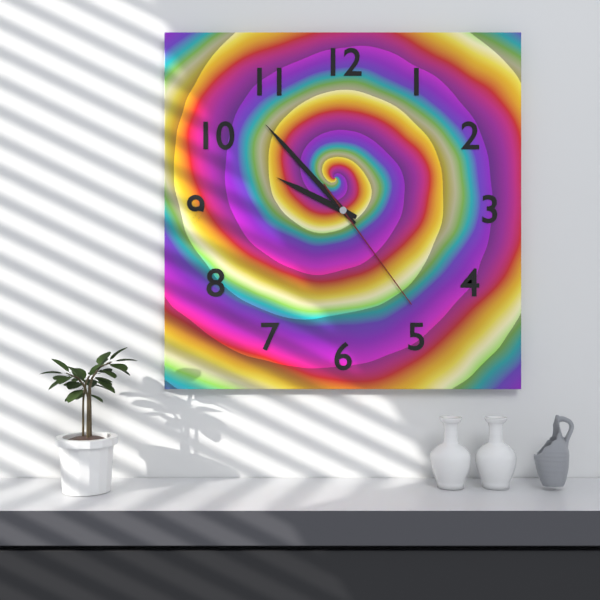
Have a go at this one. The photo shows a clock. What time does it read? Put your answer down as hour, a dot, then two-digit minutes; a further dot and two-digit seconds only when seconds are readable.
9.53.24
